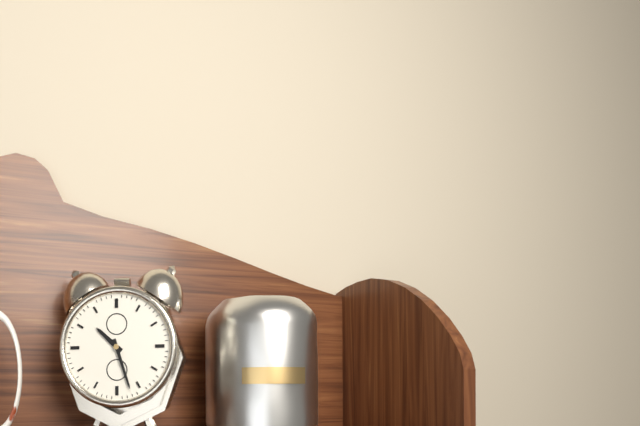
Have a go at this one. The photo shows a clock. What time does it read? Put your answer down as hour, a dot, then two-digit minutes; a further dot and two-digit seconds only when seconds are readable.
10.27
